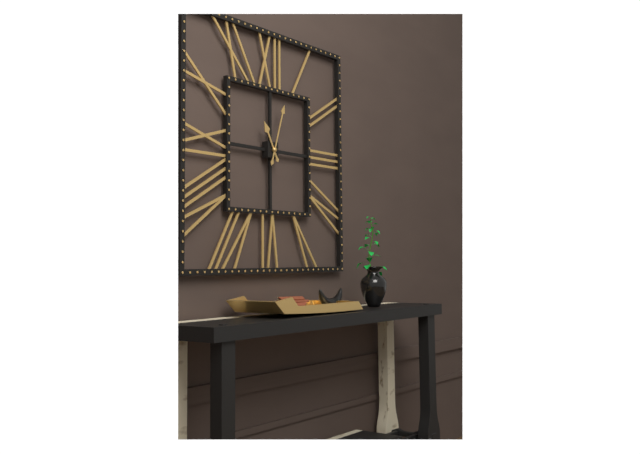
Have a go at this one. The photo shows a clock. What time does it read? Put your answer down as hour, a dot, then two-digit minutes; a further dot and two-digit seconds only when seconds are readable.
11.03
